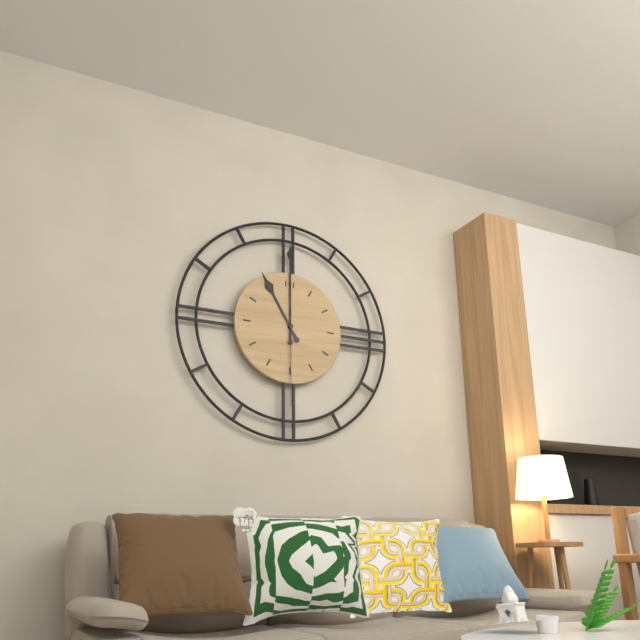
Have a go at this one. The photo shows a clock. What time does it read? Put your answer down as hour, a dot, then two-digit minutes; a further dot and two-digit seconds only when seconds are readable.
11.00.30
